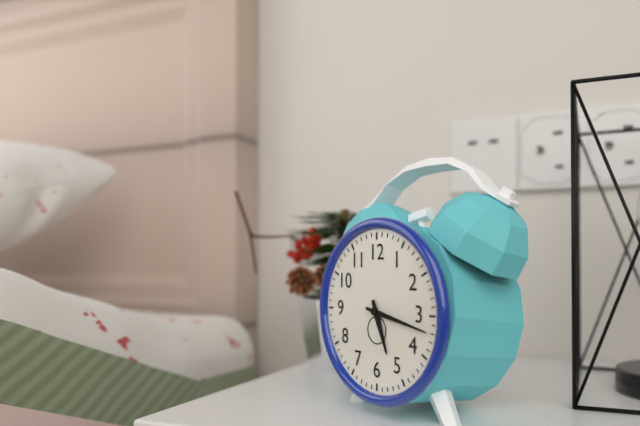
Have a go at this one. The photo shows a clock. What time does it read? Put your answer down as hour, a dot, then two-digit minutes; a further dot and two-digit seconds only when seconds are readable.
5.17
